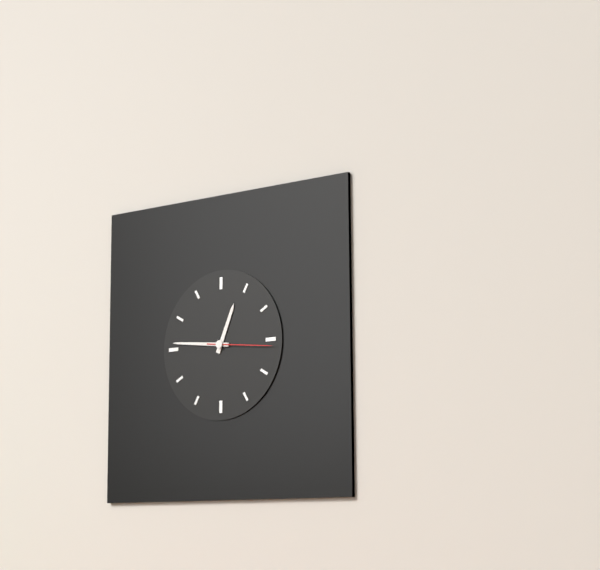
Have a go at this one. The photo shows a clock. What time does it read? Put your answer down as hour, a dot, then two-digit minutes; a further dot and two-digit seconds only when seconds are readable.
12.46.16
